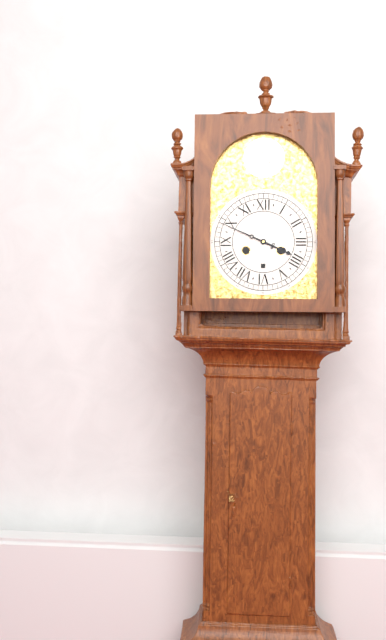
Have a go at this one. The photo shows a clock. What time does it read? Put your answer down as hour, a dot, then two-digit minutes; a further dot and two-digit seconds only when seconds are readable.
3.49
